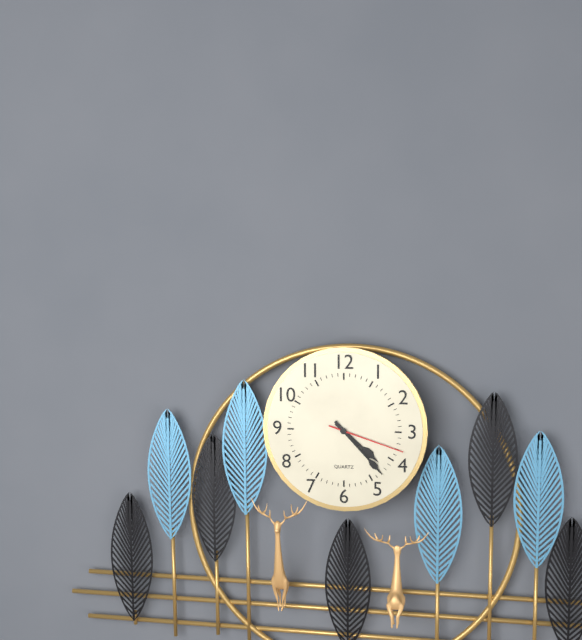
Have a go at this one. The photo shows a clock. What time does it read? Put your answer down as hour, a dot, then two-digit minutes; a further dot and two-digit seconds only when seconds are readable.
4.23.18
